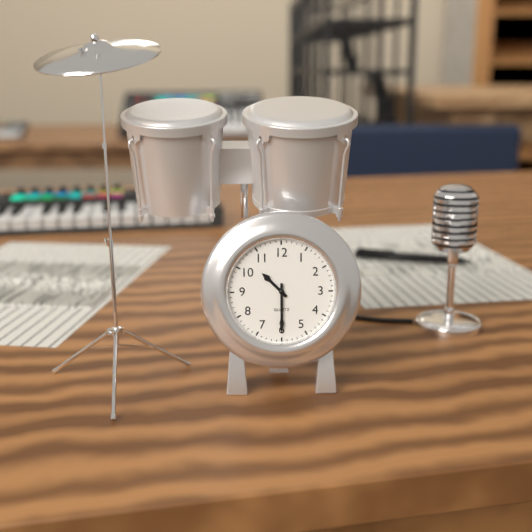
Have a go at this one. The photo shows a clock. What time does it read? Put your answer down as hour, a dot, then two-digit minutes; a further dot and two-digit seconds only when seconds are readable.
10.30
